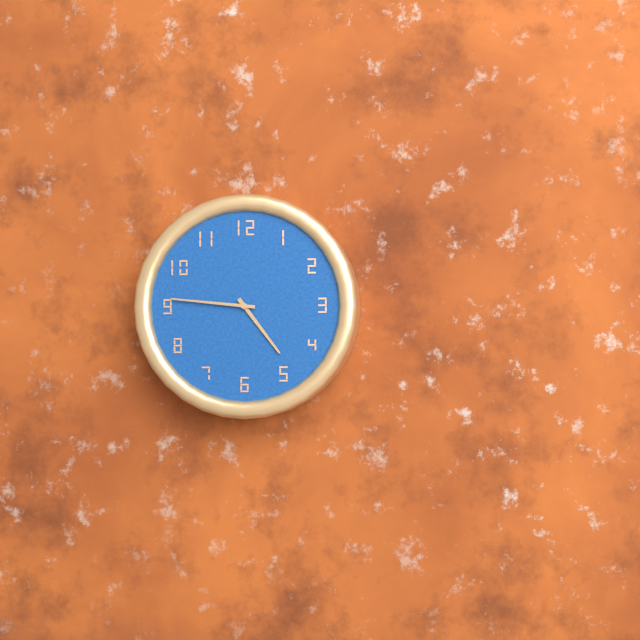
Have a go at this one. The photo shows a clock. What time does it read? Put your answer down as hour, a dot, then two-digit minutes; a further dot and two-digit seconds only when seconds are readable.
4.46
